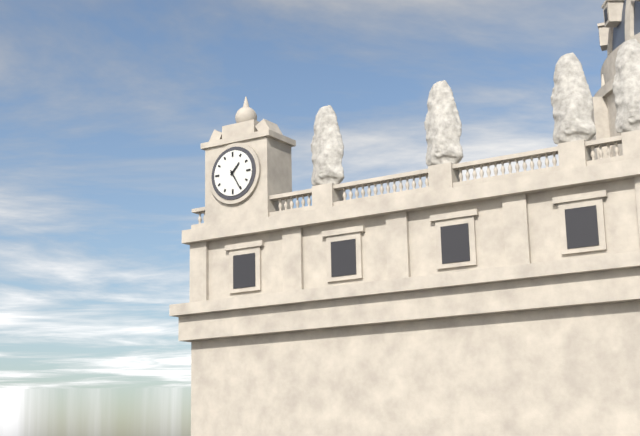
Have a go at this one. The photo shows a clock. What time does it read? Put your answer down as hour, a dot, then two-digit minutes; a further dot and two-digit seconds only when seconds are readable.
1.25
